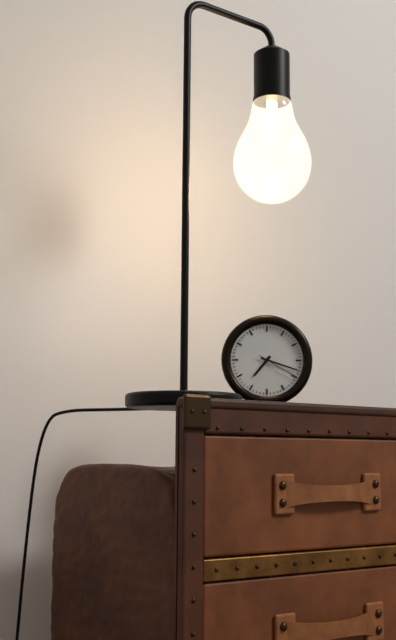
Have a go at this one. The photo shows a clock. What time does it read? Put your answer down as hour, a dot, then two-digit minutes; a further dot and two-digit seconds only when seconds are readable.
7.18
